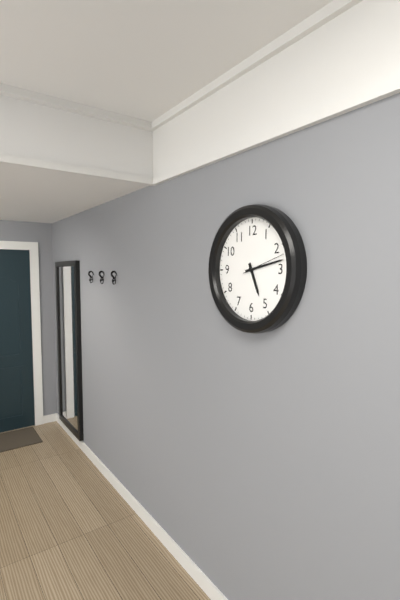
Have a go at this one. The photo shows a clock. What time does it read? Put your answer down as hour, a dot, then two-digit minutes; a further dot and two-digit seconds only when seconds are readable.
5.13
